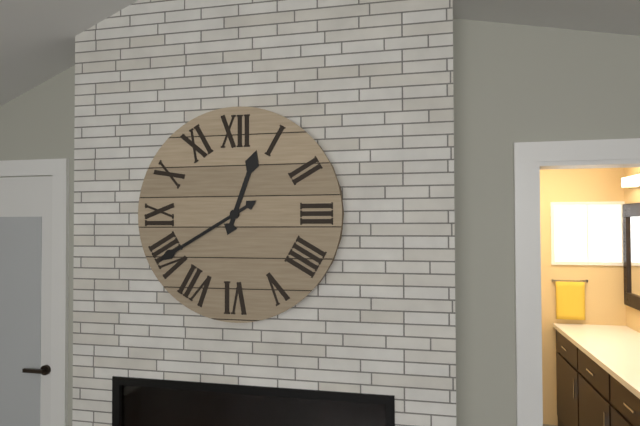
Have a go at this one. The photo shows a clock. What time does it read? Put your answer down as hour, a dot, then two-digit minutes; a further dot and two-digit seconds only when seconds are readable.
12.40
